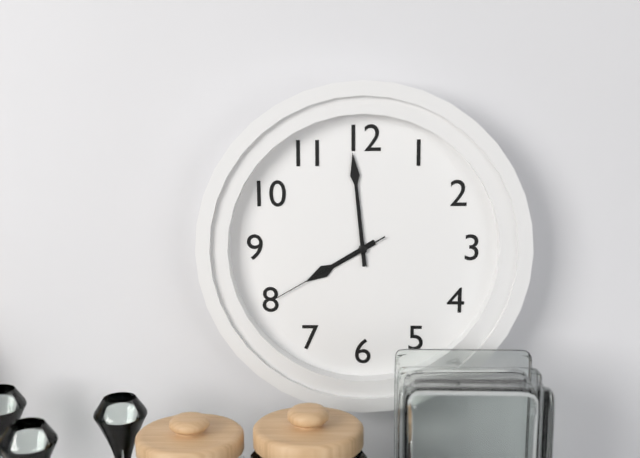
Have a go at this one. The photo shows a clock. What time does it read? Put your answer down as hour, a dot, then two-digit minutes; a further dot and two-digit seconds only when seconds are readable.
7.59.40
